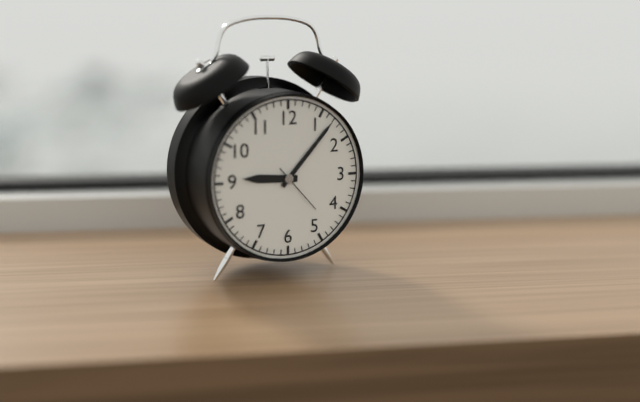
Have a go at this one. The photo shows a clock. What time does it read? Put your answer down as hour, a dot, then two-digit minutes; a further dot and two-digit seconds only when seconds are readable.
9.07.23
